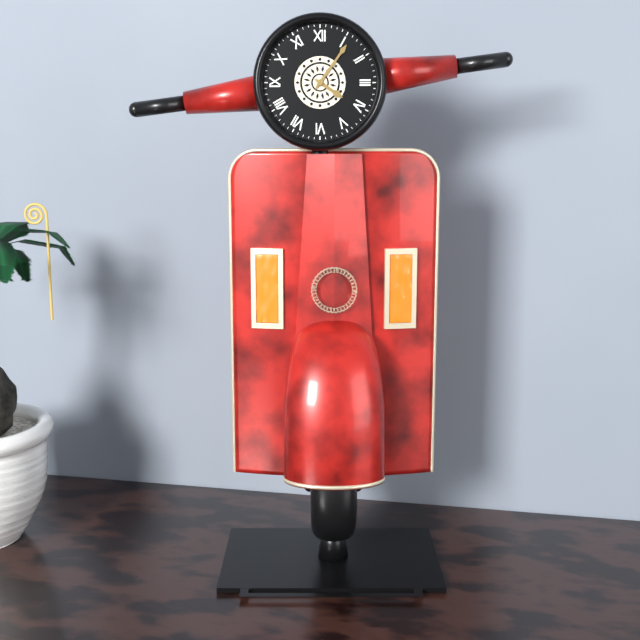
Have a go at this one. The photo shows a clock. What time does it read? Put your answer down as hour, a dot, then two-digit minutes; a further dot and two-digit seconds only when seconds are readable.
4.06
